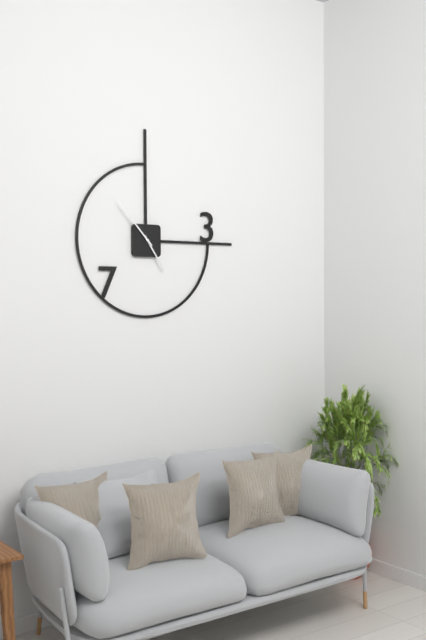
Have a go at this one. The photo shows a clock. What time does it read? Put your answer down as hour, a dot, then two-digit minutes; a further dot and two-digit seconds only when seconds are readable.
4.53
